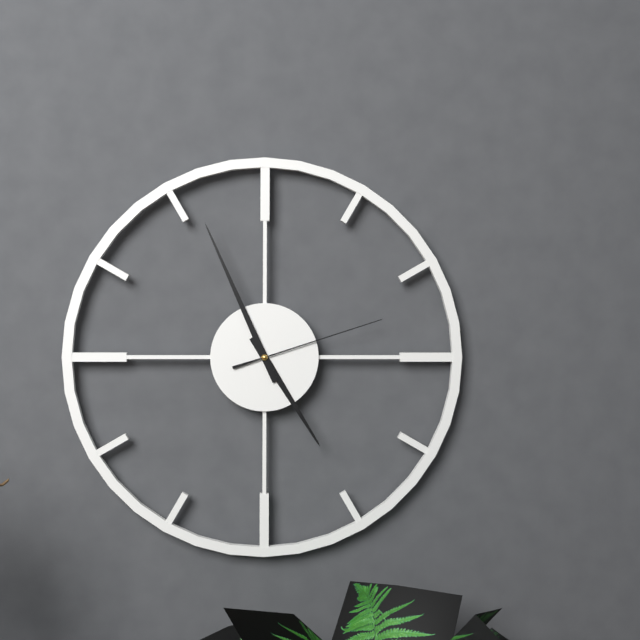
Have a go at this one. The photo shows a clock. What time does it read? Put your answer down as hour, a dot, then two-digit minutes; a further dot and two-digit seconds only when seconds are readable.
4.56.12
